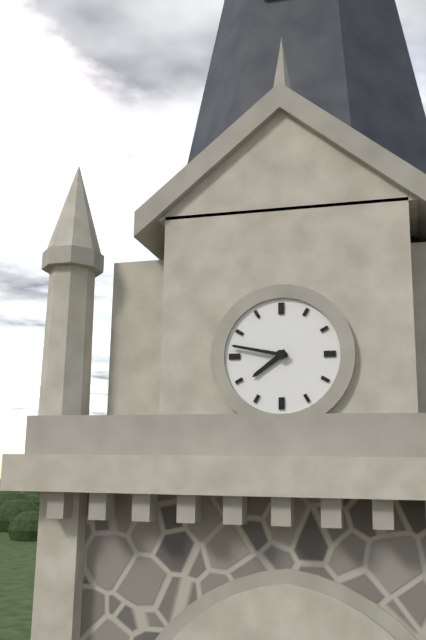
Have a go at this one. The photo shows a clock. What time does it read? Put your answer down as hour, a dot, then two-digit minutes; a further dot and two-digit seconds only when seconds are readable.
7.47
